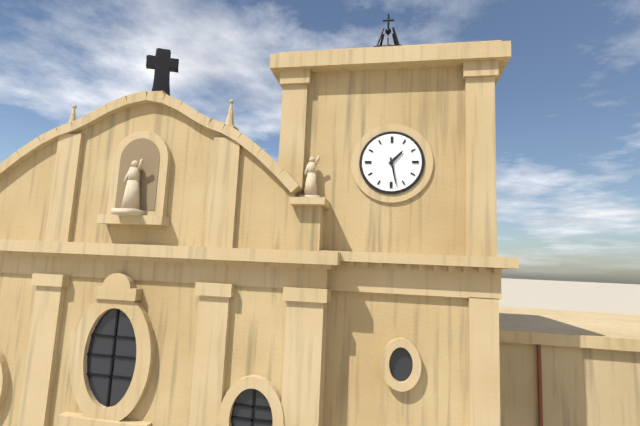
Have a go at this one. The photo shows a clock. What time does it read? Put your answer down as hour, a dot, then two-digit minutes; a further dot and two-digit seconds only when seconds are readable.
1.28
